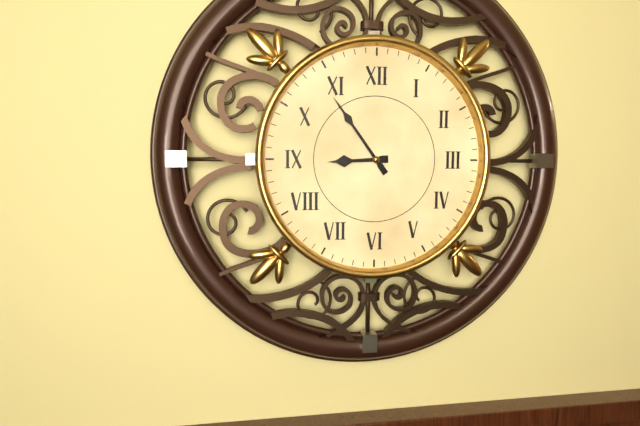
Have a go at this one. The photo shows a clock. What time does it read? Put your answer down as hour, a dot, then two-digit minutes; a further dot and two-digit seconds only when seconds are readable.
8.54
